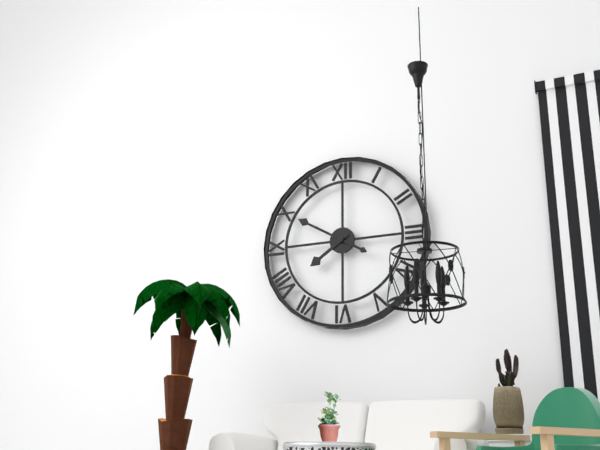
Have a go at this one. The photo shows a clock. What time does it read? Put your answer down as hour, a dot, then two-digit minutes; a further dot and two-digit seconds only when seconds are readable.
7.50
